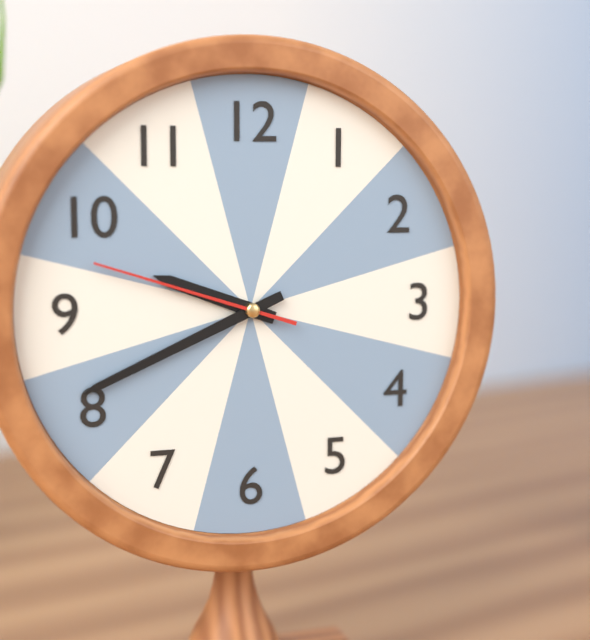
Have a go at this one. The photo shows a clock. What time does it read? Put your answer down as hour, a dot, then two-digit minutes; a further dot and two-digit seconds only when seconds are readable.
9.41.48
